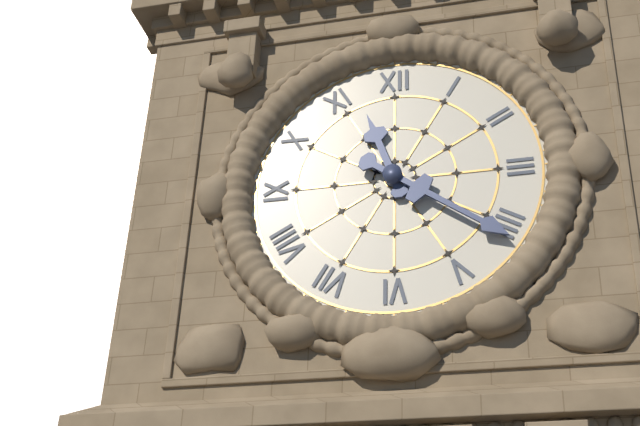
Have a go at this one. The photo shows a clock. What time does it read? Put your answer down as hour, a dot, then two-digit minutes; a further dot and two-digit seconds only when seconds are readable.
11.21
